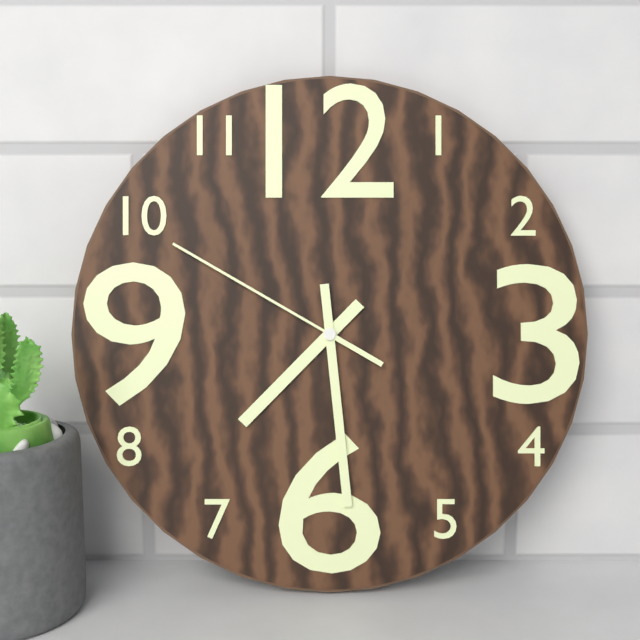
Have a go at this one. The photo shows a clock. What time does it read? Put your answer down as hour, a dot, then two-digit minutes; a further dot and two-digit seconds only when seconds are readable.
7.29.50
